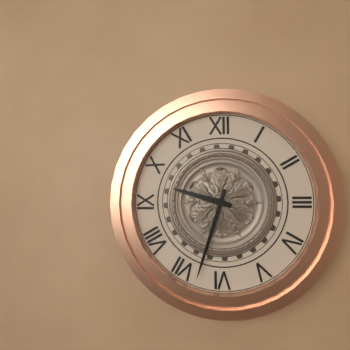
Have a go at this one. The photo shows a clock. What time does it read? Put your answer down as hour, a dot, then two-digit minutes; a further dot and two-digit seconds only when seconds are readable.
9.33
